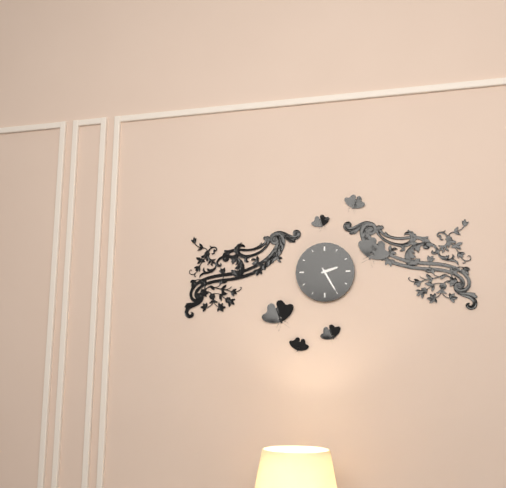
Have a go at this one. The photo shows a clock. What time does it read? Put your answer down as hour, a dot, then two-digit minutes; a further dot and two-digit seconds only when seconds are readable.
2.25
